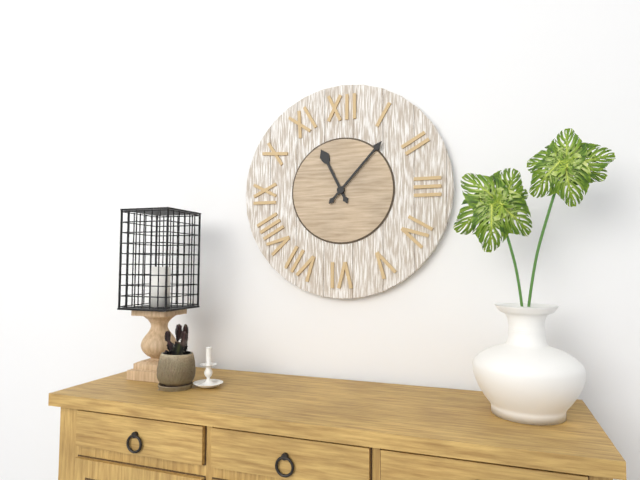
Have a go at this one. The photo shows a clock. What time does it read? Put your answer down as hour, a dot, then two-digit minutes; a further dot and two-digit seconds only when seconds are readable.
11.07
